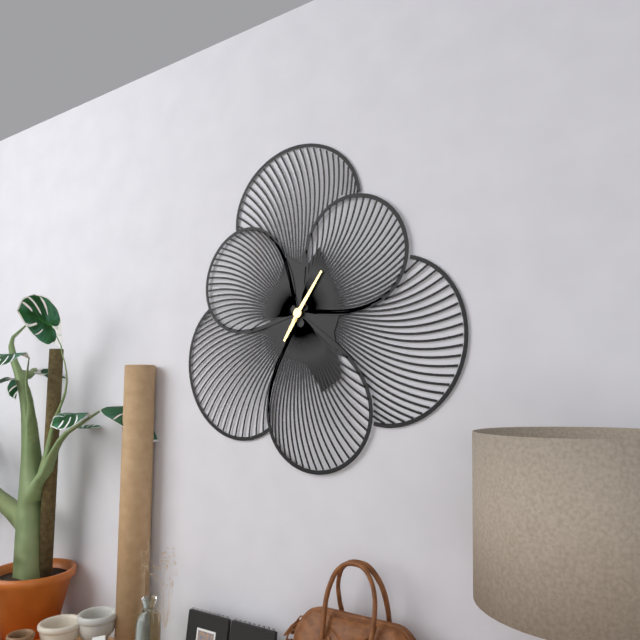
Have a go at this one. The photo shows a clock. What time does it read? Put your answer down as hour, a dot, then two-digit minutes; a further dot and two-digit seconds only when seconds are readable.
7.06
